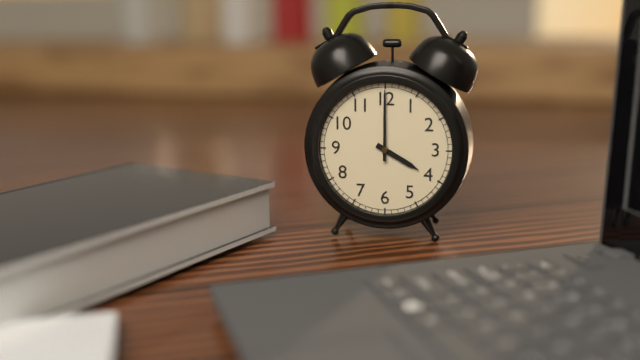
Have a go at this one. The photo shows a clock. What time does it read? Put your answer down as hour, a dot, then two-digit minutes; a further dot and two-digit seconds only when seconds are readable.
4.00
